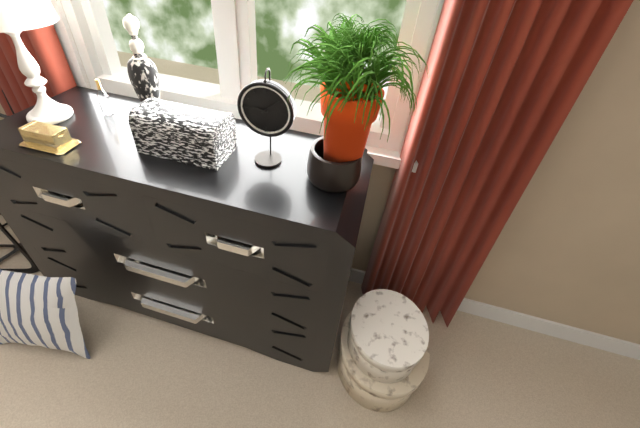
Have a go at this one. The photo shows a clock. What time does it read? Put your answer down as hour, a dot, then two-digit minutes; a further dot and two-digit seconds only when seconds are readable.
9.08
